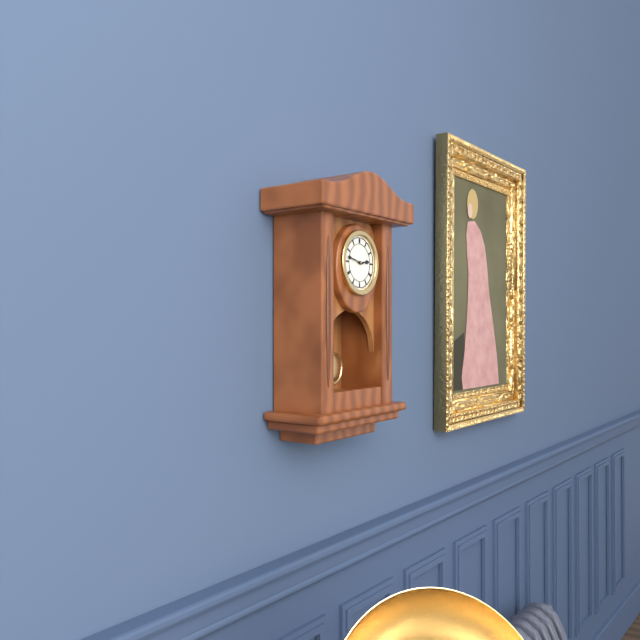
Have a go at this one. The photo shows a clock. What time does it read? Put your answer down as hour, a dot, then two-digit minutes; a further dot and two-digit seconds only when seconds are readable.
2.47
